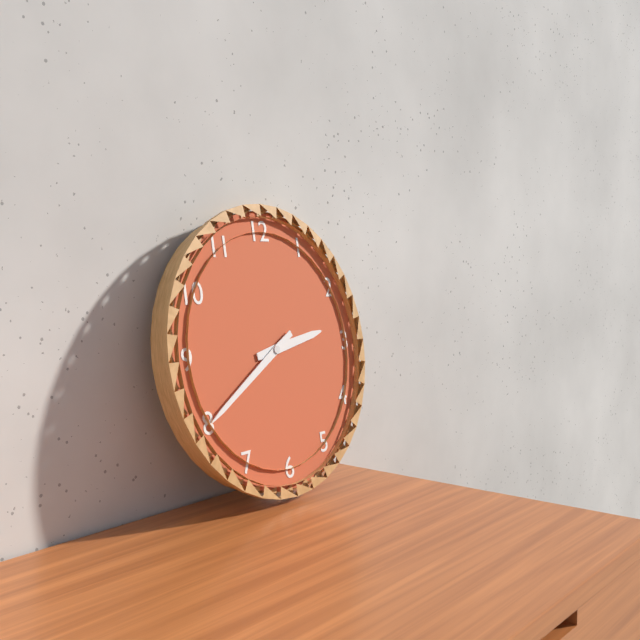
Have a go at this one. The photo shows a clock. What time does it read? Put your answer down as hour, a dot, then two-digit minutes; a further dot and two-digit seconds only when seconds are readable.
2.40
